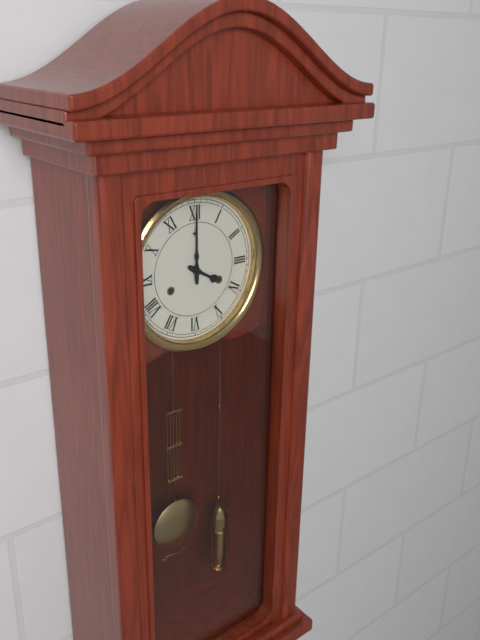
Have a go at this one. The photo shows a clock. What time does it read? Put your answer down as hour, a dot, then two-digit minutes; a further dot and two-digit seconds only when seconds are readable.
4.00
